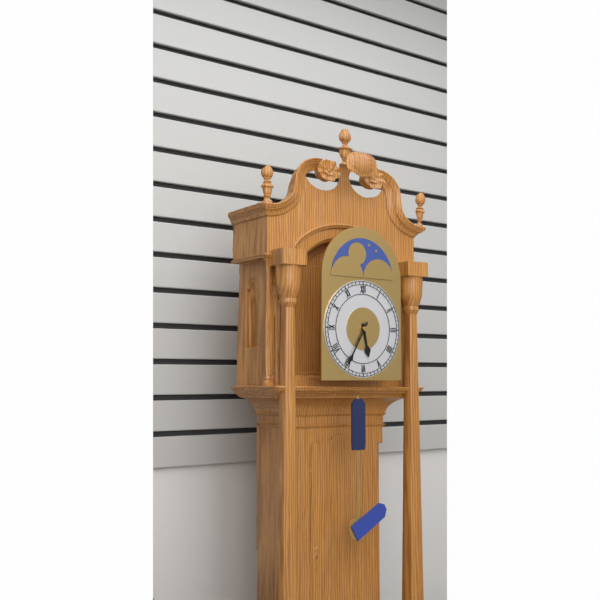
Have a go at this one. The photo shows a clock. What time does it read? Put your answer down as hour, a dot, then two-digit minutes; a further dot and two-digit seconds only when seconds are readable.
5.35
